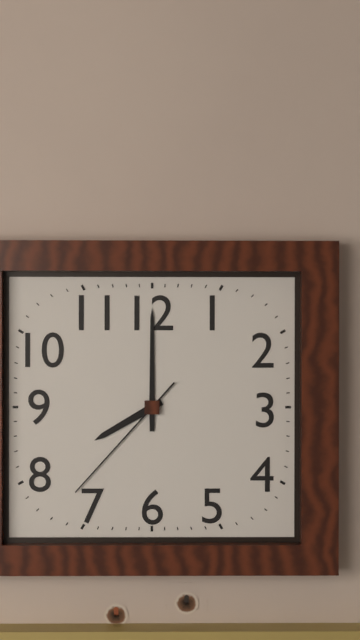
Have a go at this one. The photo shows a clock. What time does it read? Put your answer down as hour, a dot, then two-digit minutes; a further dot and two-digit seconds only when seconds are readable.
8.00.37
